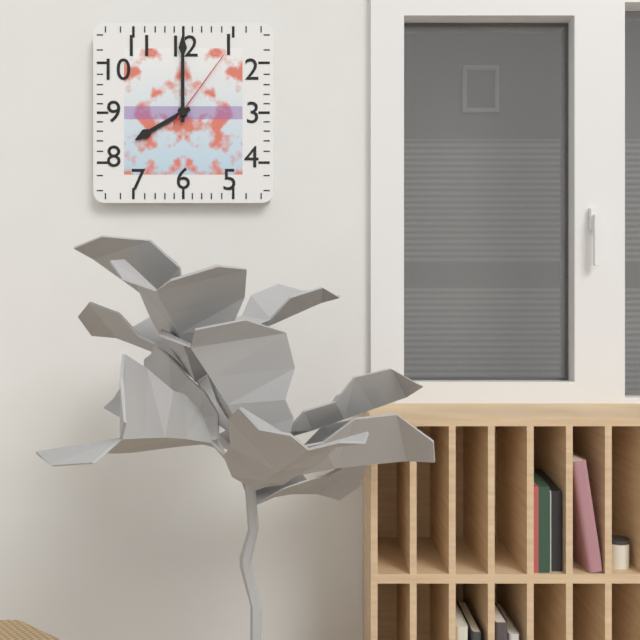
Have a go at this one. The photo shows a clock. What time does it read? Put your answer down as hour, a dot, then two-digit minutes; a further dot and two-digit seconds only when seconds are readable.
8.00.06
